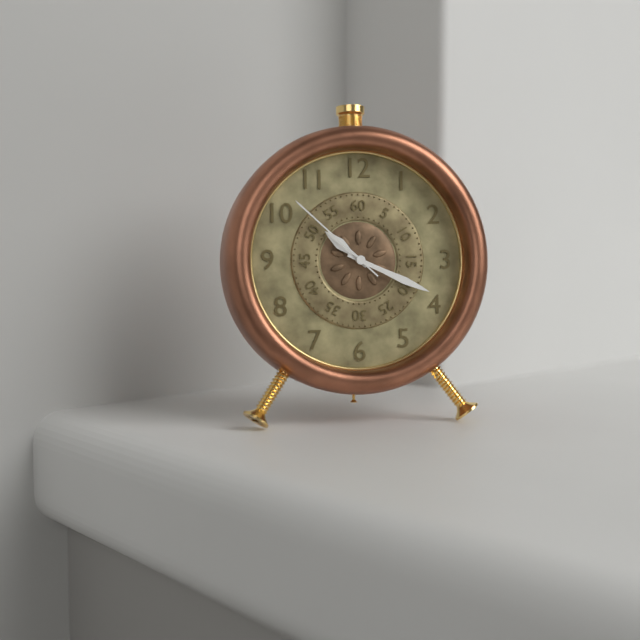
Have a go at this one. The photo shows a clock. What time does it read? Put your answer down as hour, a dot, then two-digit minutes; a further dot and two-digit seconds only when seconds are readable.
10.19.52
